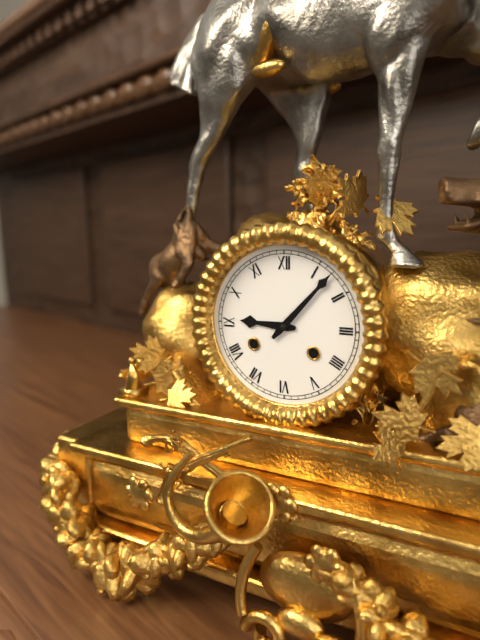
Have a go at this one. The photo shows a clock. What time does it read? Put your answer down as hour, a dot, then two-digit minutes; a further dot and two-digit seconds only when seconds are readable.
9.07
